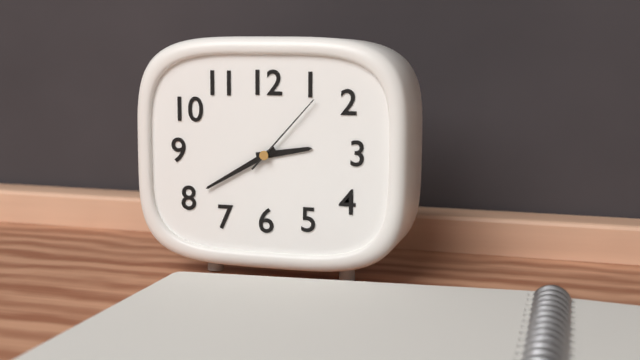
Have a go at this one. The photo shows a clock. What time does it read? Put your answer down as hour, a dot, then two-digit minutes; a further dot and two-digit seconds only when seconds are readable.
2.40.07
